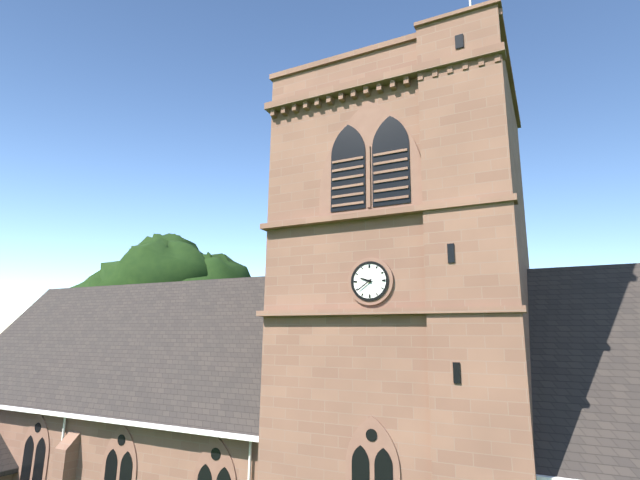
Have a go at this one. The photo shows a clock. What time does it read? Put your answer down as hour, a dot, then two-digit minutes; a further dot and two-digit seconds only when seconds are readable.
9.39
